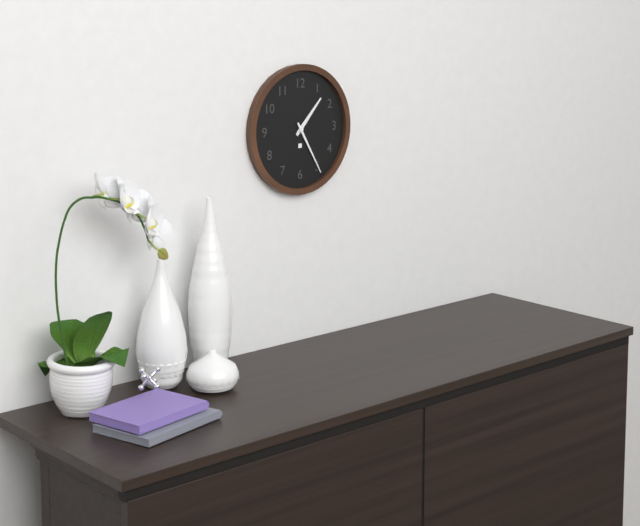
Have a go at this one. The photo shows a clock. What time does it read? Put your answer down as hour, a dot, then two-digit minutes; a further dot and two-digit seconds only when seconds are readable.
1.25
